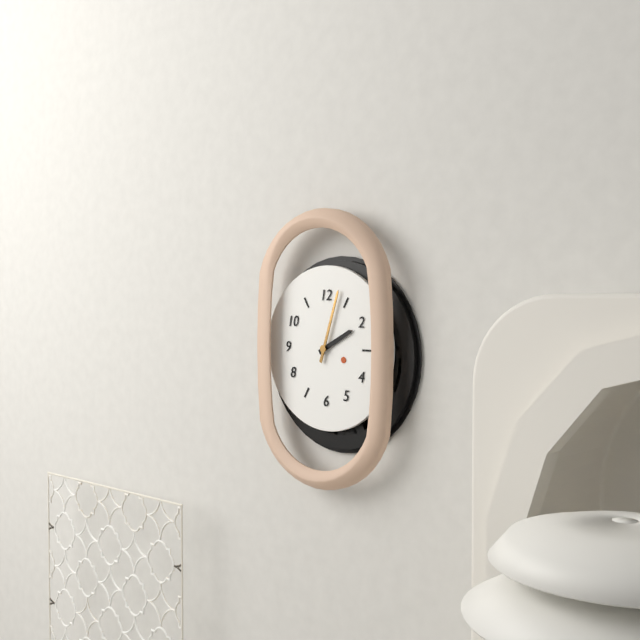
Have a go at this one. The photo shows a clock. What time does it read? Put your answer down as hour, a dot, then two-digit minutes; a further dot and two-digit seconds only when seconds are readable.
2.03
